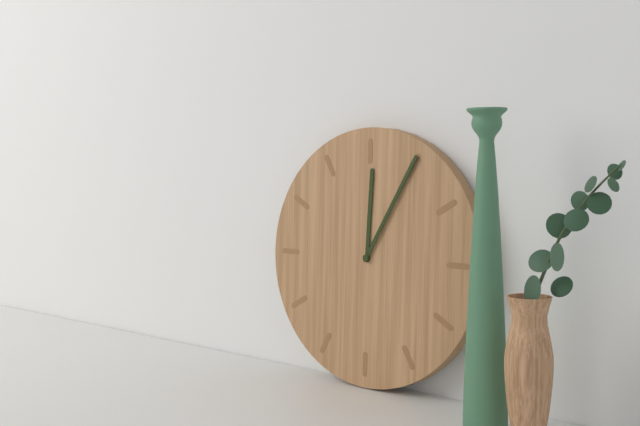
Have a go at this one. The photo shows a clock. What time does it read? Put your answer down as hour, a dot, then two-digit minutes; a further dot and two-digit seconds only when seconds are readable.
12.05
